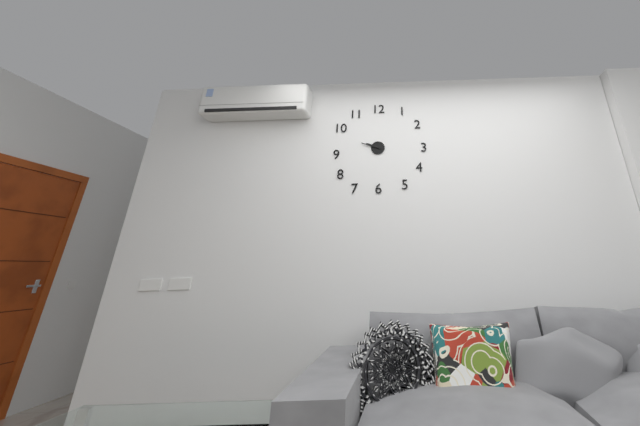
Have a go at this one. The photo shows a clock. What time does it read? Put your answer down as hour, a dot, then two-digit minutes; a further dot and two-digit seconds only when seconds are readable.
9.48
